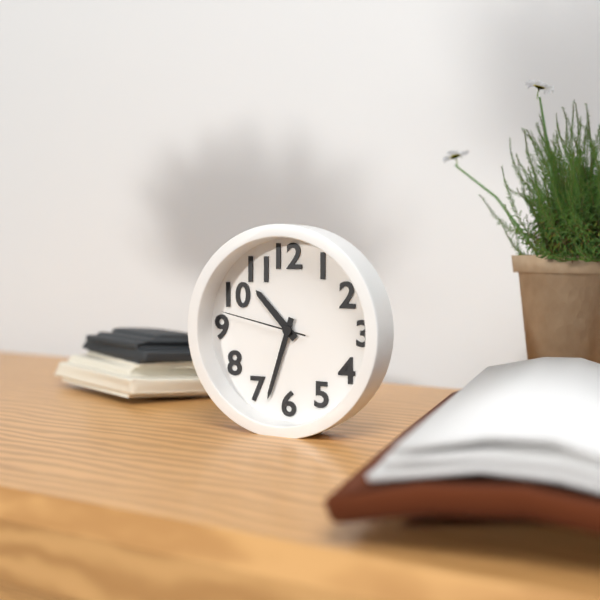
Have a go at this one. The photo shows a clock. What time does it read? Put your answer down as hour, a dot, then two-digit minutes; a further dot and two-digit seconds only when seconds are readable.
10.33.47
